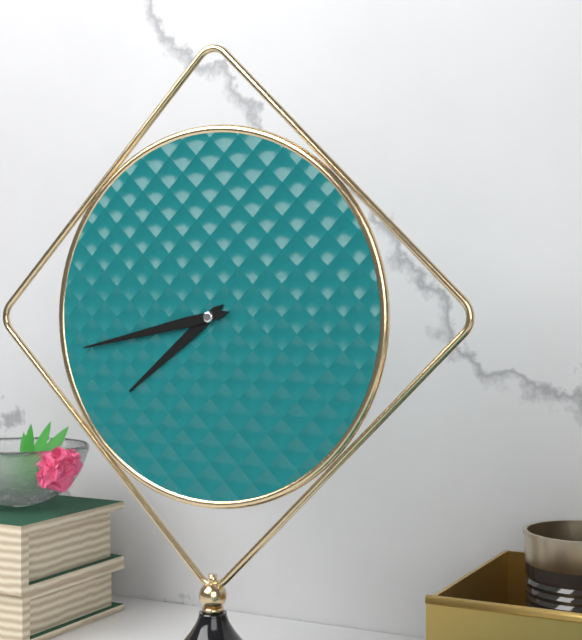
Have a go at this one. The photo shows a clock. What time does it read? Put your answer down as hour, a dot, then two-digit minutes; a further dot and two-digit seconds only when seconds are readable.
7.43
